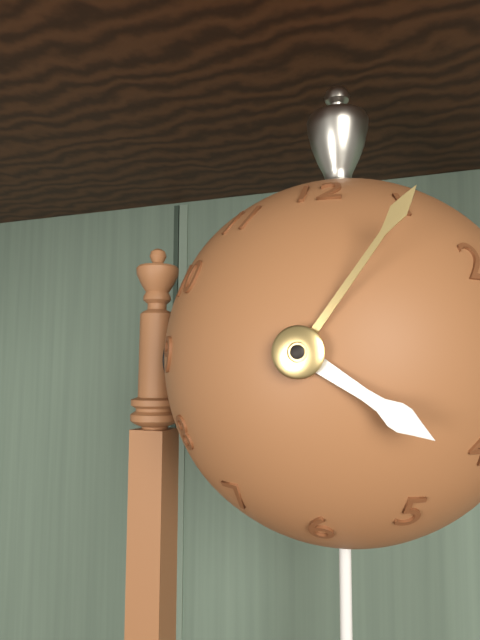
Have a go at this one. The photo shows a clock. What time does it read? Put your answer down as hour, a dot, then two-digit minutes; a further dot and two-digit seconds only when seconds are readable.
4.06
